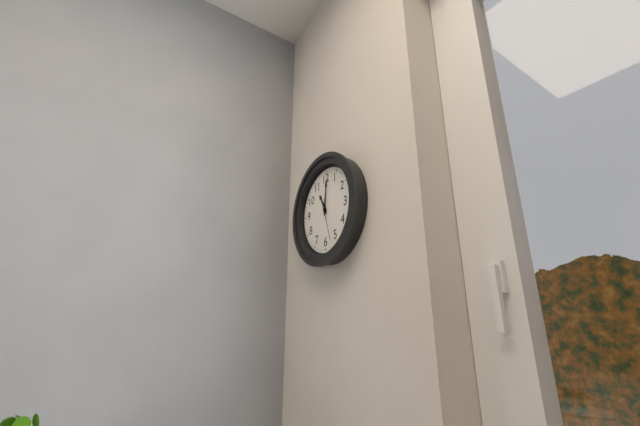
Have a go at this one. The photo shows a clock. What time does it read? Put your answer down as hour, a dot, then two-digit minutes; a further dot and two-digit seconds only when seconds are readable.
11.01
